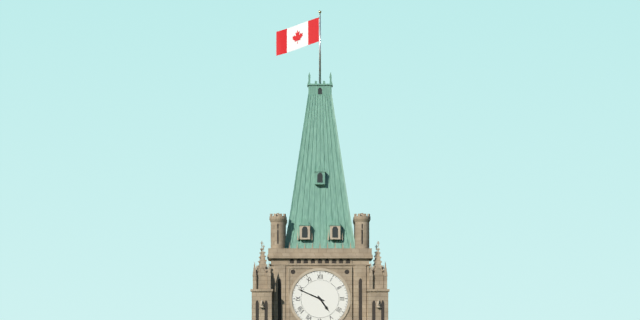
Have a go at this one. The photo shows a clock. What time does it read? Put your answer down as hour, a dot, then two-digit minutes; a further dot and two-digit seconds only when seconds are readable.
4.49
